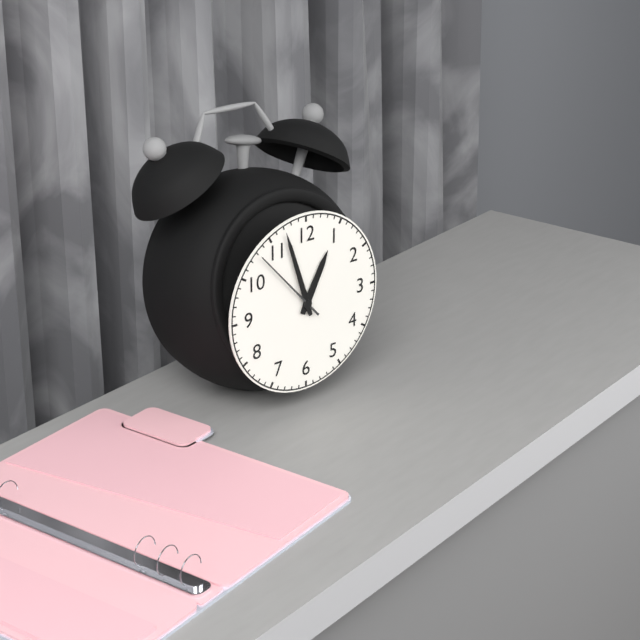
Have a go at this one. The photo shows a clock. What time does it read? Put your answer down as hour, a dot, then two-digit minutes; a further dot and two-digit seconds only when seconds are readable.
12.57.53
